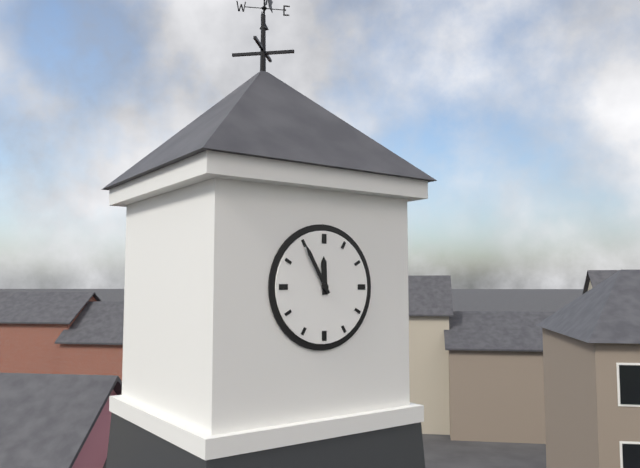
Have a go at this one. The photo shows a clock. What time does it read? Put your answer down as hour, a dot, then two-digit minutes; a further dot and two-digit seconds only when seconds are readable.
11.55
